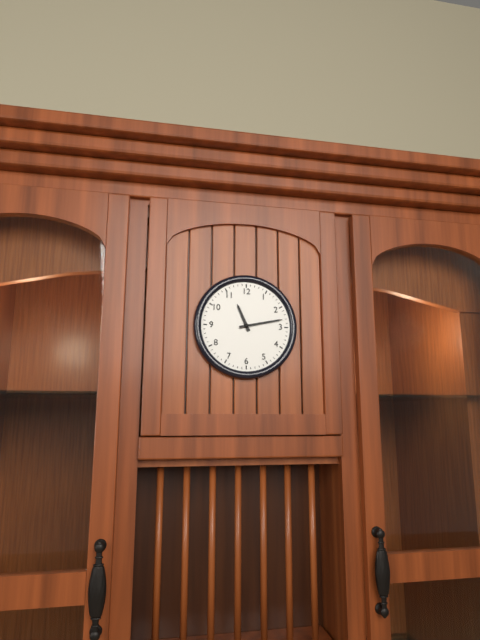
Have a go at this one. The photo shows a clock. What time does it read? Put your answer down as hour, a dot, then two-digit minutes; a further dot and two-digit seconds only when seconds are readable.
11.13
